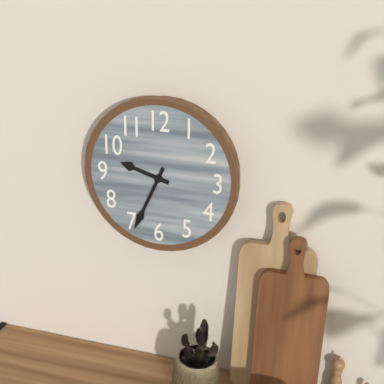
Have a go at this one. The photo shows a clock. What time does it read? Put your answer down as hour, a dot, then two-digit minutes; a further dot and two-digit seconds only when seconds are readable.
9.34
